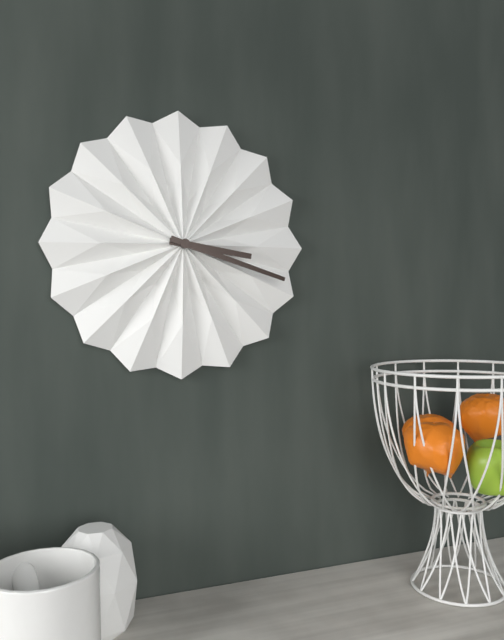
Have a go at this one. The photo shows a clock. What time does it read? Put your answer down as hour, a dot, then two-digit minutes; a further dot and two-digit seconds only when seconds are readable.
3.18
